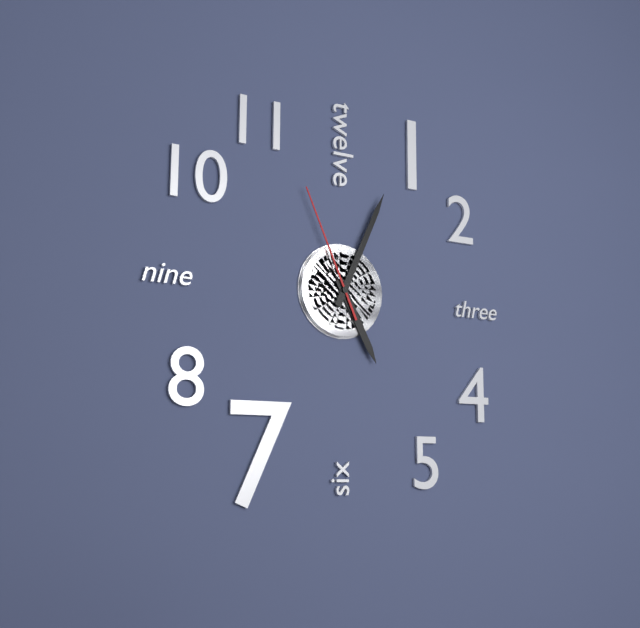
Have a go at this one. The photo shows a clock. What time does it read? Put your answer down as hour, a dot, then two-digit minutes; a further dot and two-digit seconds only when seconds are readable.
5.04.56
